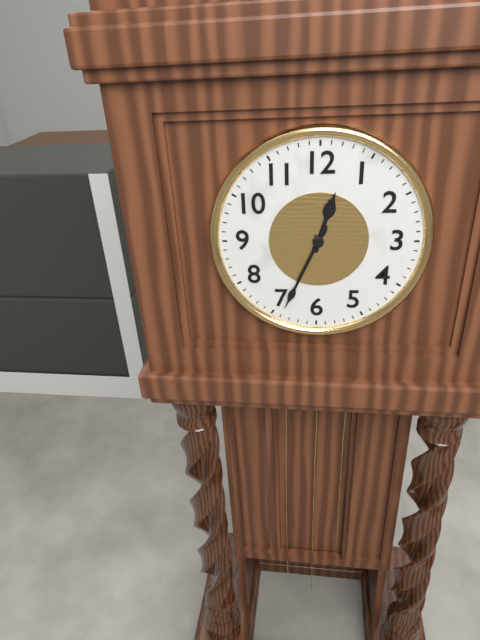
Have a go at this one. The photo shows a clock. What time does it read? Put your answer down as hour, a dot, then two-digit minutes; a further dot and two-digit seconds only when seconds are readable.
12.34
